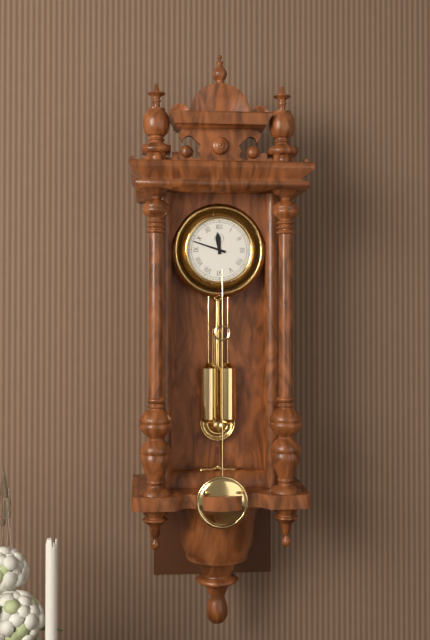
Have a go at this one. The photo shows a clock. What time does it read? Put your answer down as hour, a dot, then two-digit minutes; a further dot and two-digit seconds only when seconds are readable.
11.48
